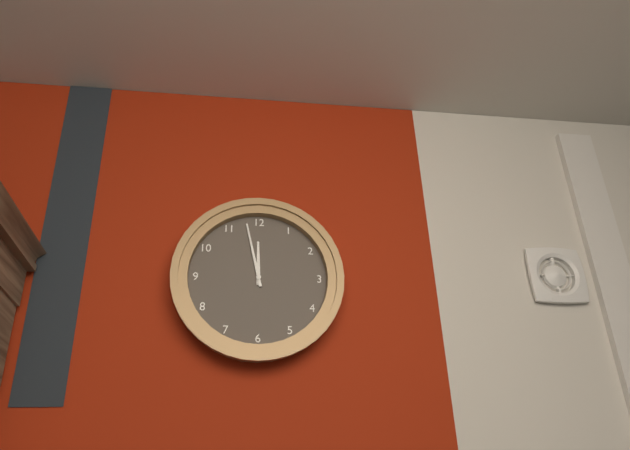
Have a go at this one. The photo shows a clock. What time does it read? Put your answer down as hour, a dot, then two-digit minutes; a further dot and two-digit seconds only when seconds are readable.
11.58
